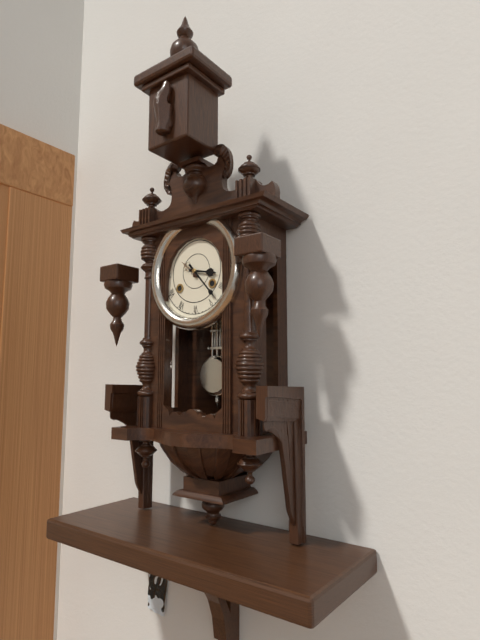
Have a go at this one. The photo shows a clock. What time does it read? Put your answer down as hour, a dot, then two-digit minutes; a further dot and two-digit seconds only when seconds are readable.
3.23
